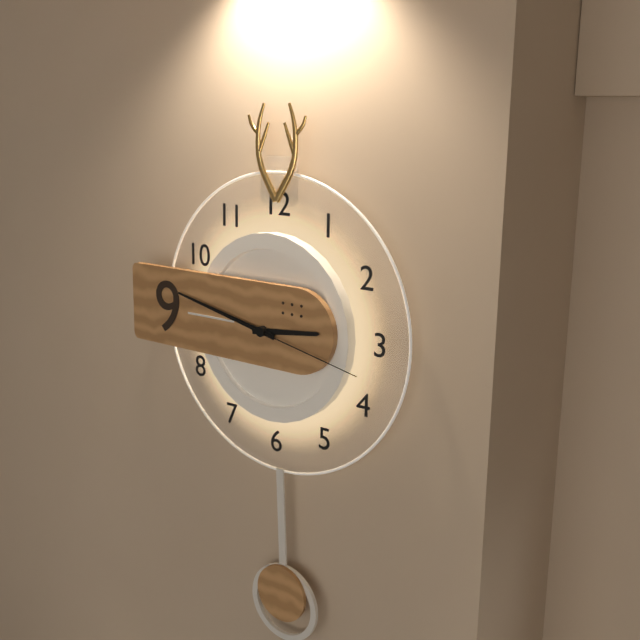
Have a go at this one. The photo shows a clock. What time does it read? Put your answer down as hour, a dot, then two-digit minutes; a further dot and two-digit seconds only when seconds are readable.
2.47.17
